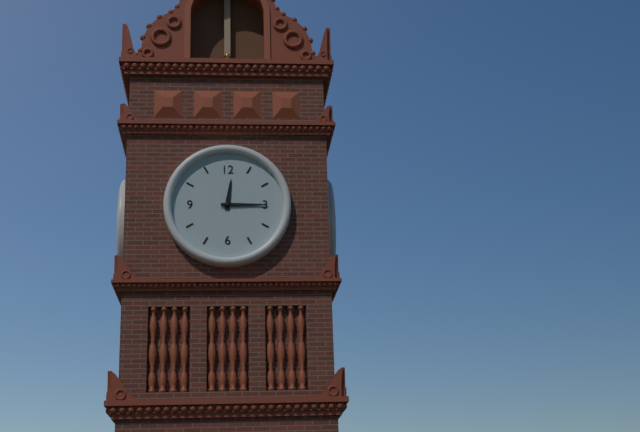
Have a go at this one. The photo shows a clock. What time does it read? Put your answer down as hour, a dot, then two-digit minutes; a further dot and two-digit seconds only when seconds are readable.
12.15
